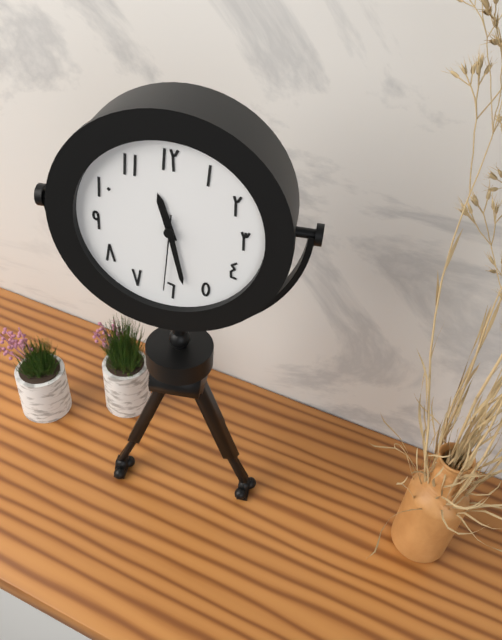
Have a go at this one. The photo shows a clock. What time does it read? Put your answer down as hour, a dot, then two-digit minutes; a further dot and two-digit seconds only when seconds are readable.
11.28.31
